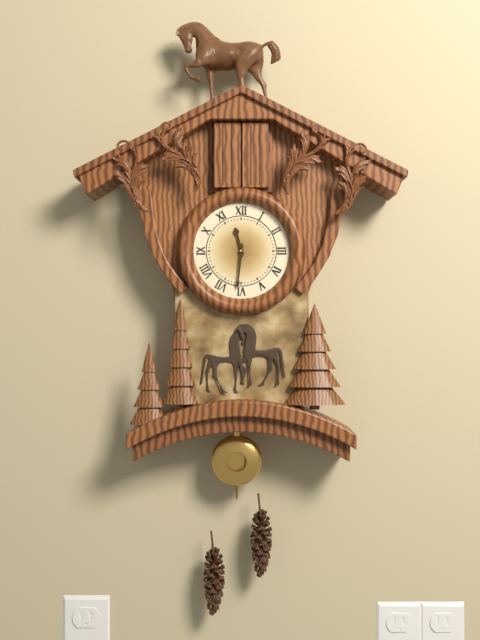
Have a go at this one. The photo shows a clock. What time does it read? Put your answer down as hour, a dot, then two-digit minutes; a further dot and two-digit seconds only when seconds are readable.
11.31
